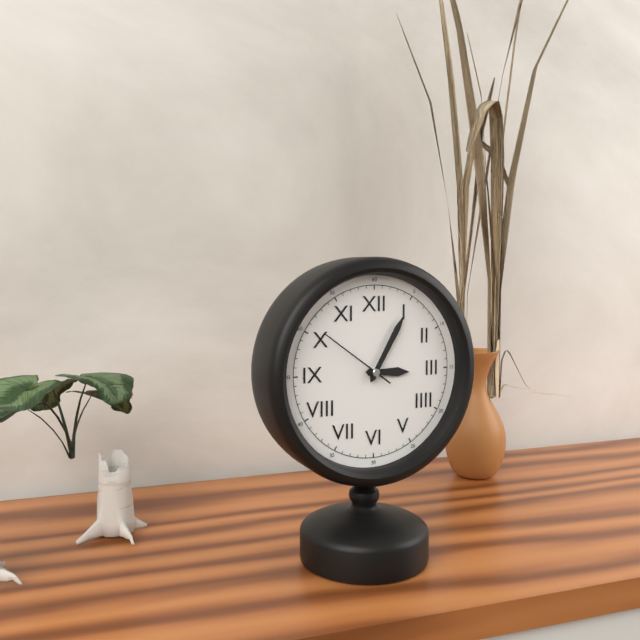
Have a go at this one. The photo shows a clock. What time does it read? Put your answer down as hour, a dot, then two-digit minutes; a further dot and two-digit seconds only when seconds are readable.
3.05.51
